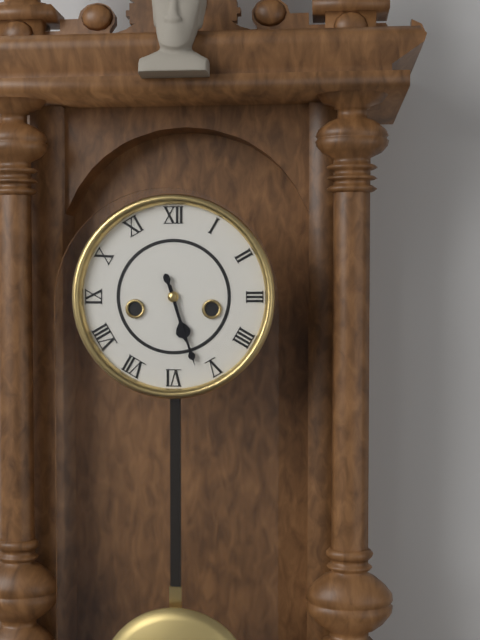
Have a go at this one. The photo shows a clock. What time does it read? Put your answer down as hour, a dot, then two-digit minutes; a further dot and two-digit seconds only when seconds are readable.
5.27
